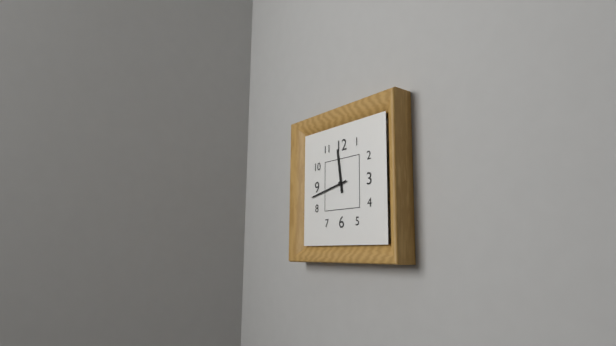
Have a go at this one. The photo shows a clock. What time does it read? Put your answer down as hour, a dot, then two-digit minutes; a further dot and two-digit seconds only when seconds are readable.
11.43
